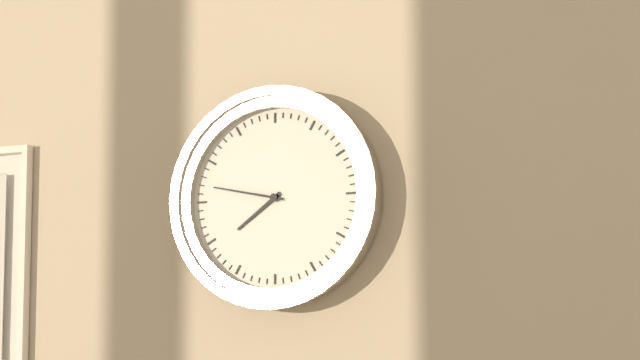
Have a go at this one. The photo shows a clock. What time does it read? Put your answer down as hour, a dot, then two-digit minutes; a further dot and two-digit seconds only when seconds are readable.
7.47
